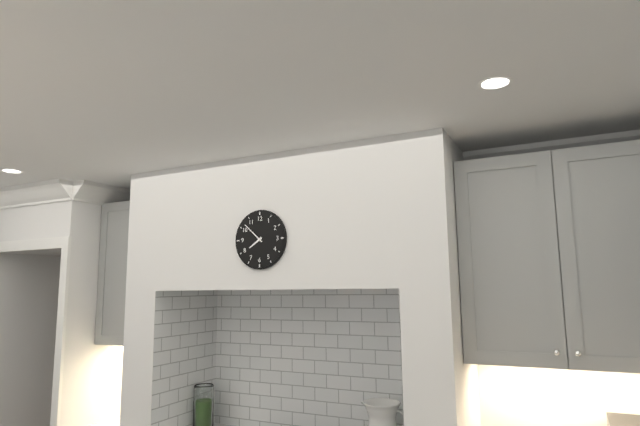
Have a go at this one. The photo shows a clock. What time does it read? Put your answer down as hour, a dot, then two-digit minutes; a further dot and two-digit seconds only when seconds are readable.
7.52
